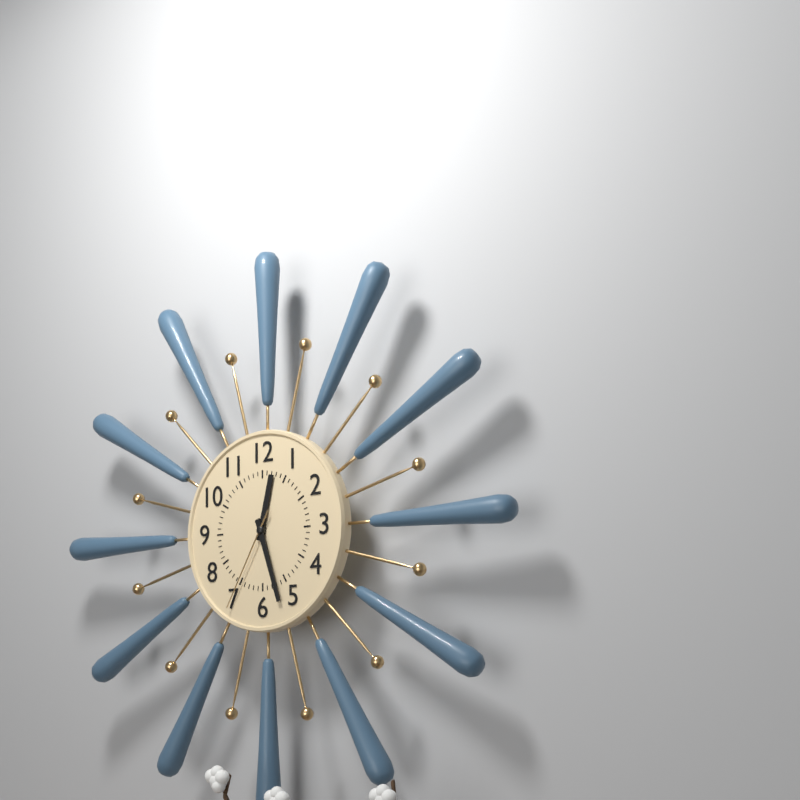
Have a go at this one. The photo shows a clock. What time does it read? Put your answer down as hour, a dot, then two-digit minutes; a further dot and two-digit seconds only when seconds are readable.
12.27.35
